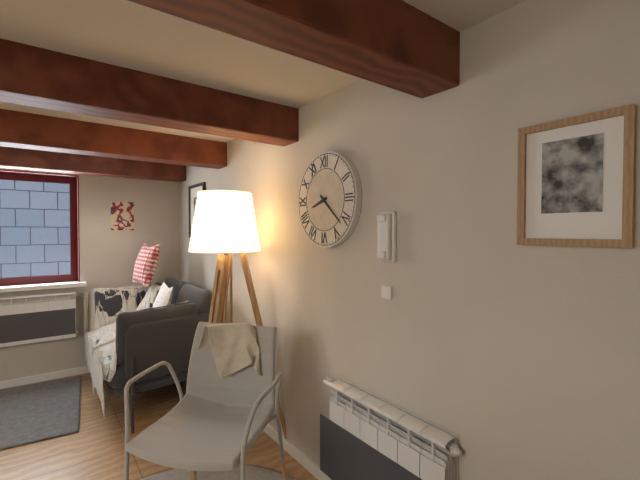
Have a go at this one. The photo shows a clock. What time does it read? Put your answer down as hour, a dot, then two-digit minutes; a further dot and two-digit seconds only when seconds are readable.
8.22
